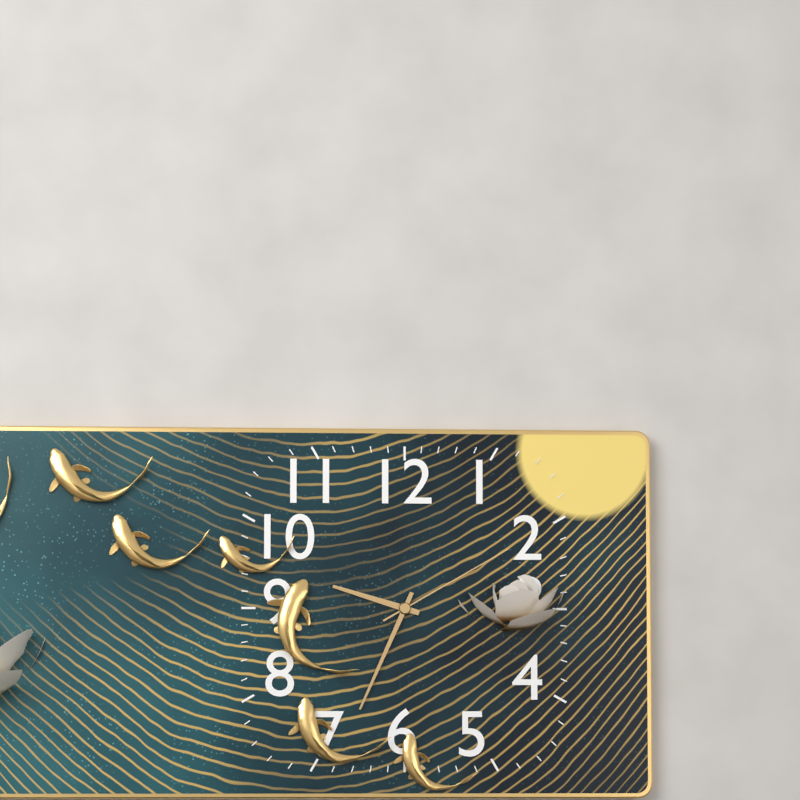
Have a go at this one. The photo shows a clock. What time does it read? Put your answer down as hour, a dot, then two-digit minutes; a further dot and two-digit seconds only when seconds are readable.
9.34.10
